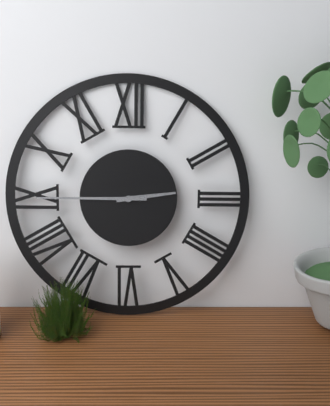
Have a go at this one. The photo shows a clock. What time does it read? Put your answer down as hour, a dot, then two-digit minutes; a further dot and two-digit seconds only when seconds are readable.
2.45
